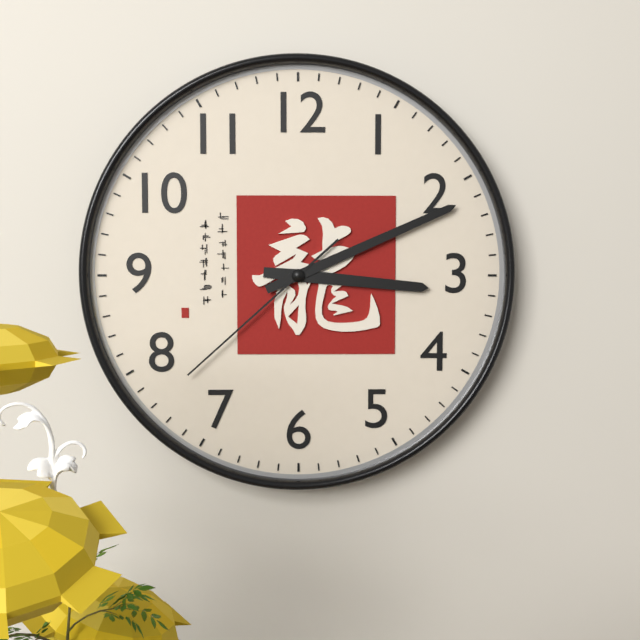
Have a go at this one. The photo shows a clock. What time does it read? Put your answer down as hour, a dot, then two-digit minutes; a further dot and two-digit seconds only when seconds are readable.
3.11.38
